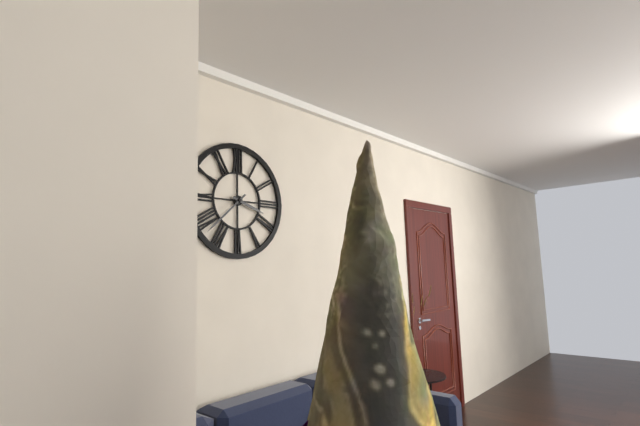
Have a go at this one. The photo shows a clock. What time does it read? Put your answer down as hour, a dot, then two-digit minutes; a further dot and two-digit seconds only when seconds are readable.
3.38
